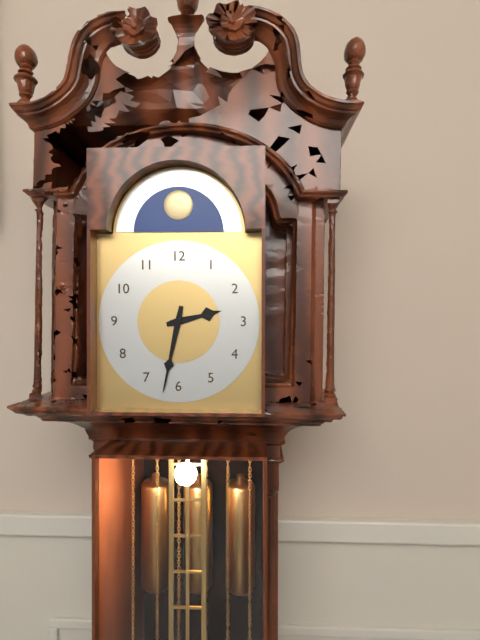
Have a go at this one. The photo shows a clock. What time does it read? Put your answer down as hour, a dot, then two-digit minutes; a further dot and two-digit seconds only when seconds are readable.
2.32
